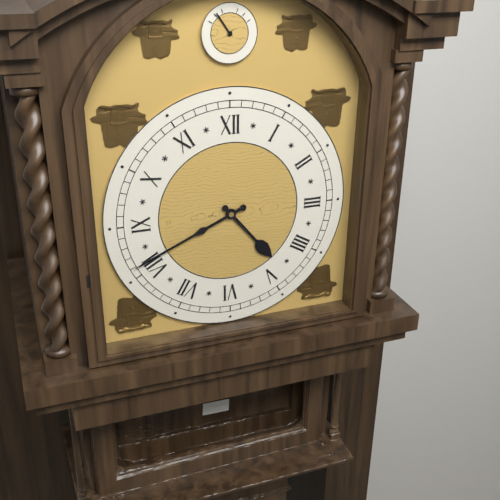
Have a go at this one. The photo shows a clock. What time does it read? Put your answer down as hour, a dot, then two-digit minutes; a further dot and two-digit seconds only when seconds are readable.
4.41
